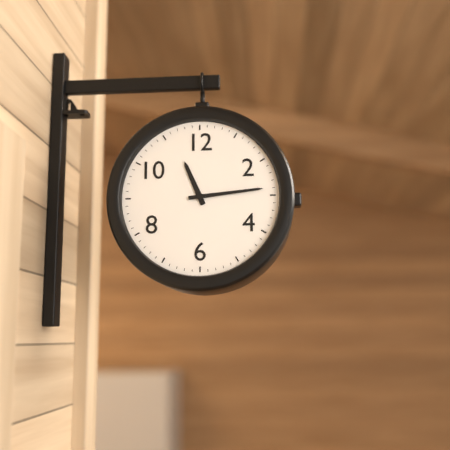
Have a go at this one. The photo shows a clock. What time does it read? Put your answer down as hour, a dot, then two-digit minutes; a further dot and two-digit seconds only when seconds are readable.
11.14
